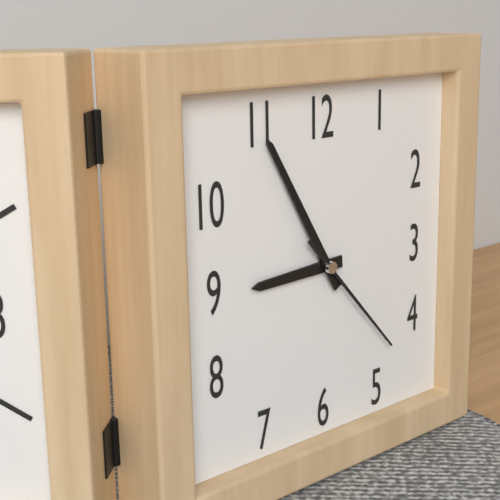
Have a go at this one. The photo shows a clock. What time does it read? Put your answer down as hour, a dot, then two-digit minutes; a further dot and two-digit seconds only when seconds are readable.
8.55.23
